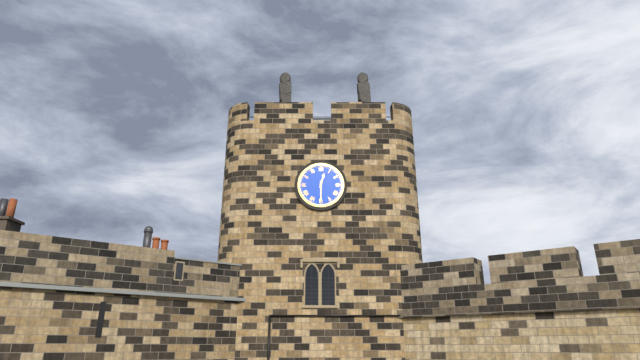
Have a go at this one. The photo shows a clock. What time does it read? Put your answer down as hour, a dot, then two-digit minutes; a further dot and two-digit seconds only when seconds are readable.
12.30
